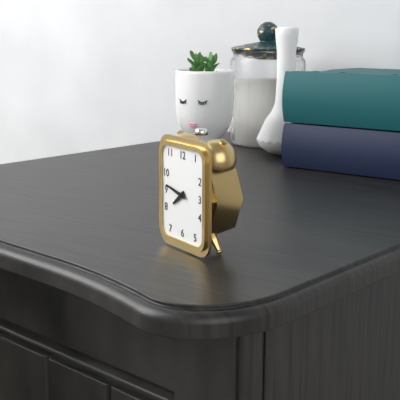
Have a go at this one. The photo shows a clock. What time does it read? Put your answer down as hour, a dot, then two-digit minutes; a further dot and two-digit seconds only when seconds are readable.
7.47
